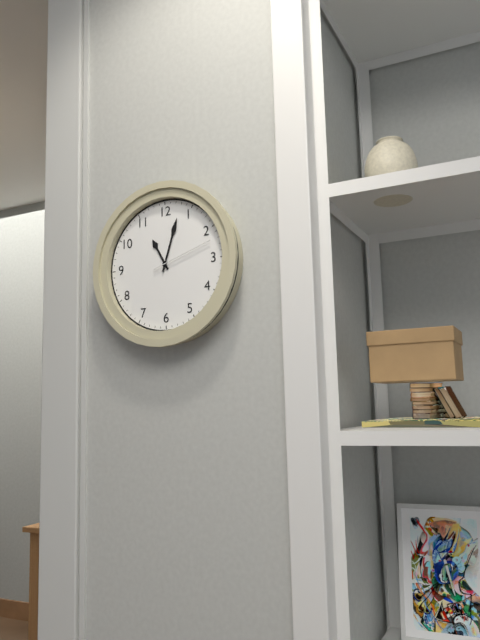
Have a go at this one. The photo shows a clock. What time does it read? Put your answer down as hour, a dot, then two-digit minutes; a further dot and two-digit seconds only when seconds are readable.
11.03.12
